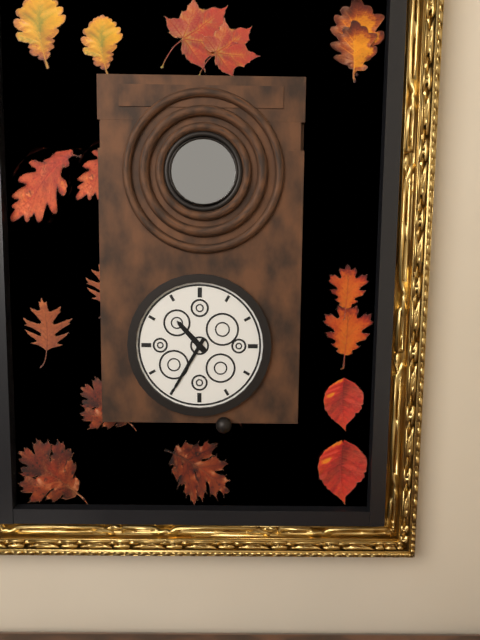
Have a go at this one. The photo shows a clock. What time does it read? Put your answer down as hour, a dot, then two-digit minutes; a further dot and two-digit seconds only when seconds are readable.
10.35
